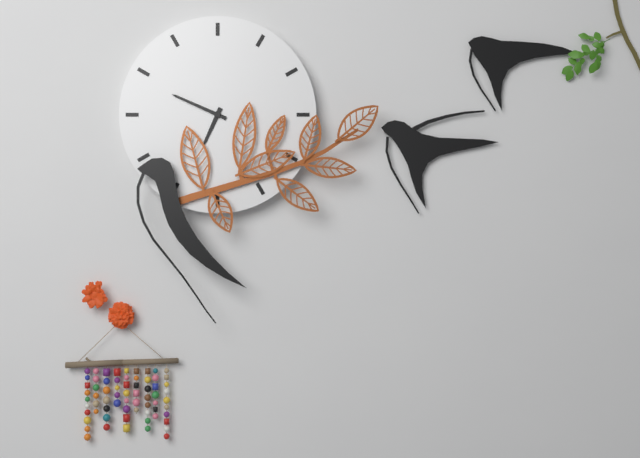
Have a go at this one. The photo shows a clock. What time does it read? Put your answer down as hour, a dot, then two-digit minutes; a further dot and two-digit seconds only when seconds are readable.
6.49
